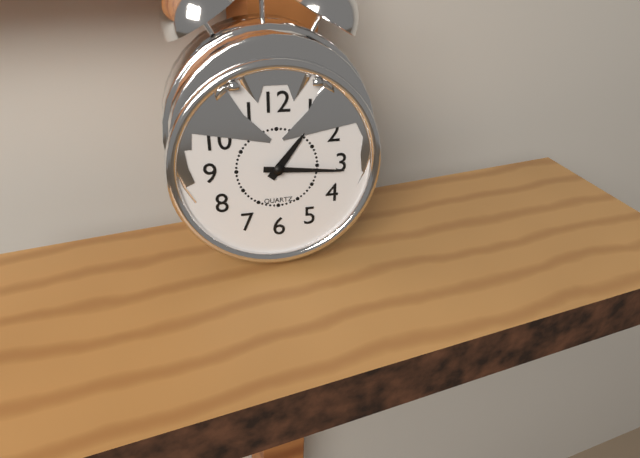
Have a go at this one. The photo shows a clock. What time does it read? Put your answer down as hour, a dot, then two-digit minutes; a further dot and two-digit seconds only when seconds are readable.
1.16
